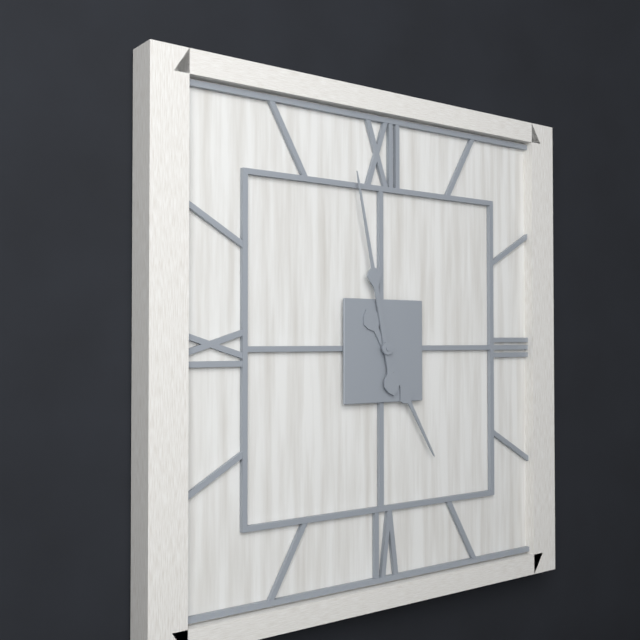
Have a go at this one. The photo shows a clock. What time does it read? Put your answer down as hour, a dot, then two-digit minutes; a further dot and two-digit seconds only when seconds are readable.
4.58
